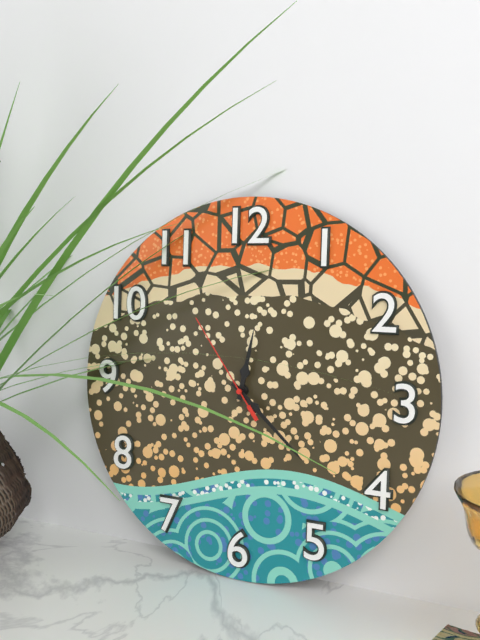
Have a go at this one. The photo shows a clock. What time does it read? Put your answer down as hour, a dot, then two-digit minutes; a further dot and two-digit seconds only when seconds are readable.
12.22.54
